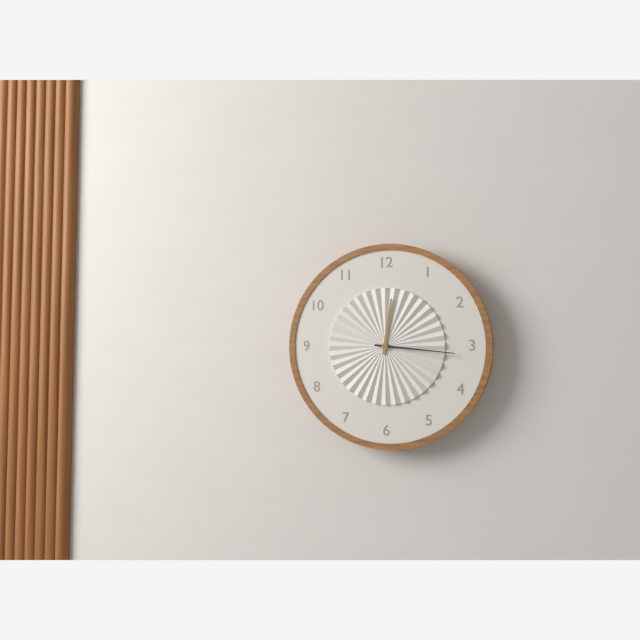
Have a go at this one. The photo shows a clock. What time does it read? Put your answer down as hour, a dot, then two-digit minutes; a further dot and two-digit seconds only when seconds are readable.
12.16
